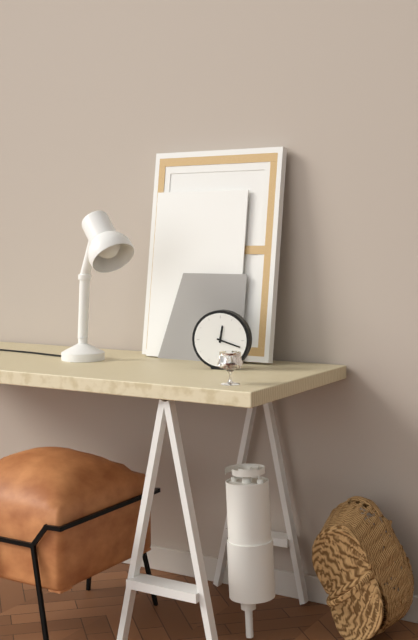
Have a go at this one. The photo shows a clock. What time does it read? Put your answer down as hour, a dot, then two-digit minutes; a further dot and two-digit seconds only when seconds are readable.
12.18
